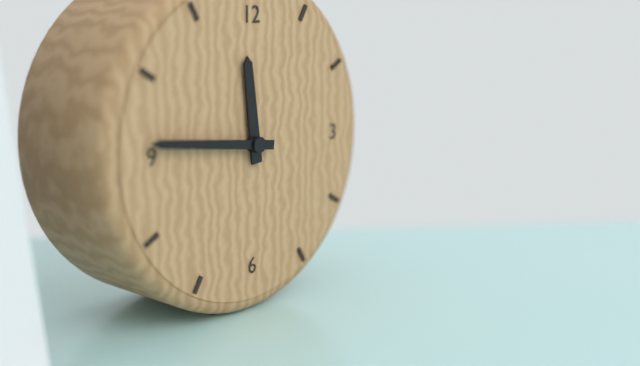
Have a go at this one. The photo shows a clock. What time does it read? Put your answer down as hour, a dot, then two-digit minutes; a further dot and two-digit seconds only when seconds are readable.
11.46
